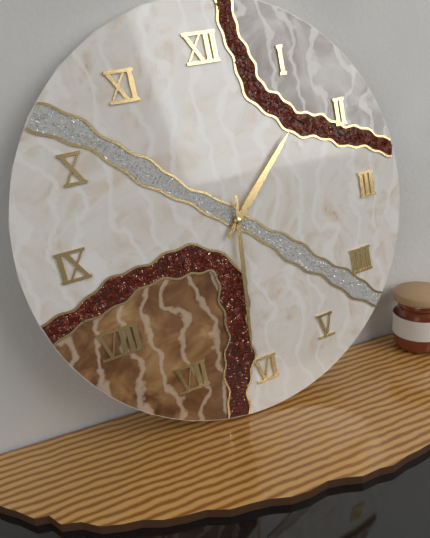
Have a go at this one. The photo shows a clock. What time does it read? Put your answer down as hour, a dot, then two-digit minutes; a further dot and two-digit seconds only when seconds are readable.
1.31
